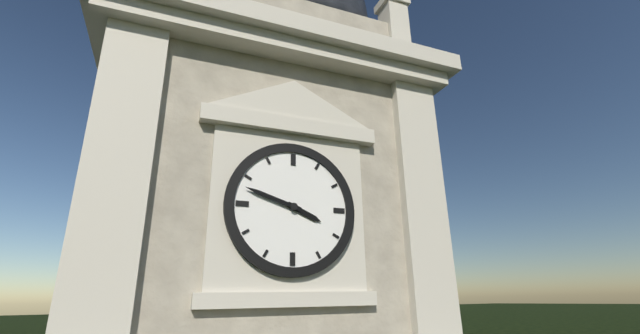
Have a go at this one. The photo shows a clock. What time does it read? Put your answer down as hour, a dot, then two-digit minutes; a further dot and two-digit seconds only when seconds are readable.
3.48
